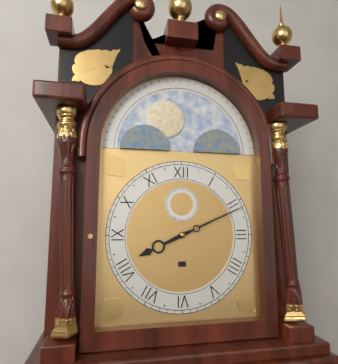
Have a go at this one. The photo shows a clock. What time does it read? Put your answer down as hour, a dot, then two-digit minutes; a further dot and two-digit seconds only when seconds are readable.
8.11
